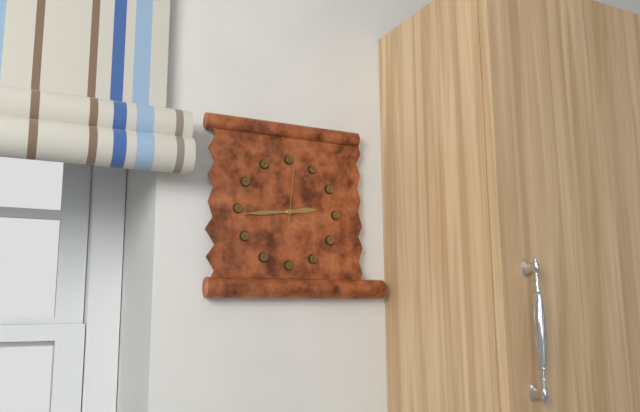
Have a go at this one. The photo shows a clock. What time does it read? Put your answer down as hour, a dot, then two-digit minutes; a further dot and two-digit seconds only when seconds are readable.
2.44.01
